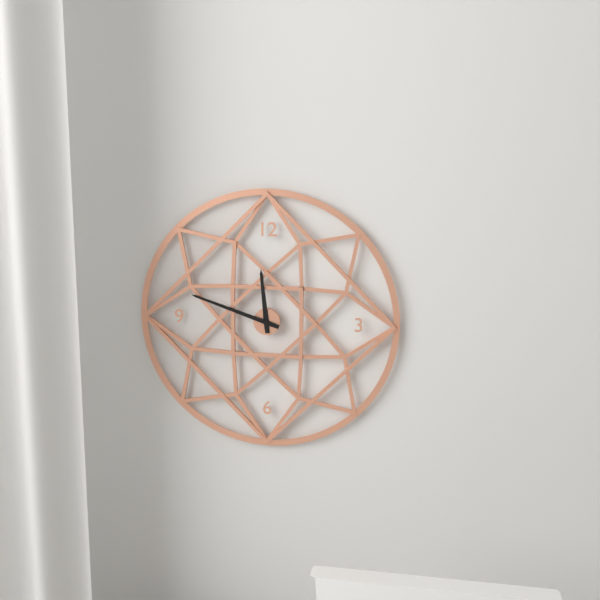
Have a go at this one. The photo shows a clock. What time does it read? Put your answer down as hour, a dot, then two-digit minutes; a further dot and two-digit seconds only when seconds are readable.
11.48
